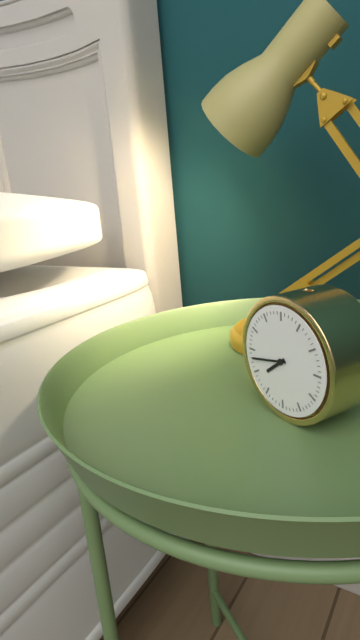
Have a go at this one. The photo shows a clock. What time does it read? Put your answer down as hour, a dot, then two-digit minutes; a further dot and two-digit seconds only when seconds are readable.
7.43
